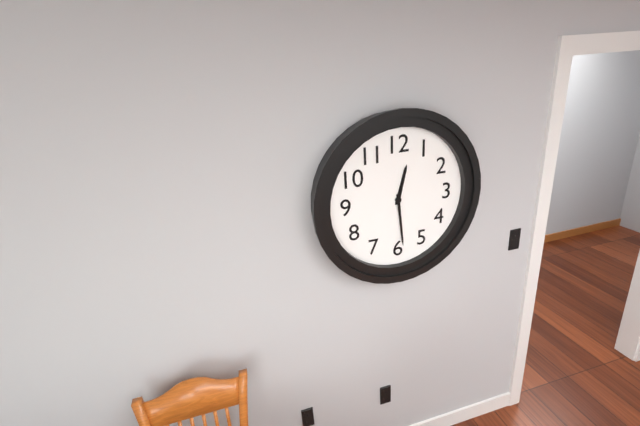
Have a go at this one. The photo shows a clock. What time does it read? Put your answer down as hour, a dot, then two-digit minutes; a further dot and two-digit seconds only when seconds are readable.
12.29
